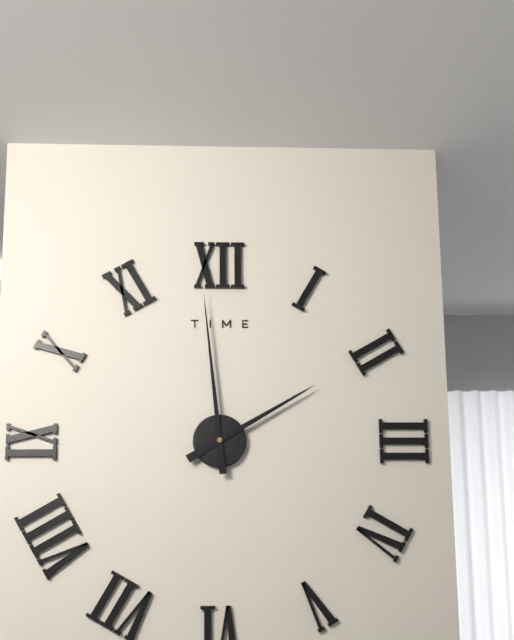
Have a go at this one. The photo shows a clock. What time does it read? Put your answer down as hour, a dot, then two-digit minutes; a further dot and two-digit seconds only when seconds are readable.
1.59
